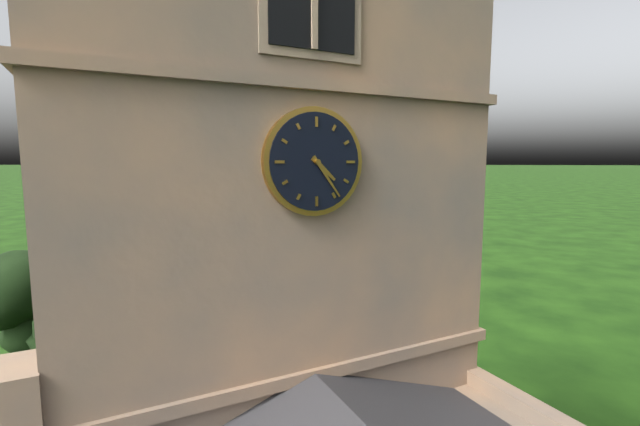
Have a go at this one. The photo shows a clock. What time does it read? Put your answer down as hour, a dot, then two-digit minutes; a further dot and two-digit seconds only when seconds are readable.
4.24
